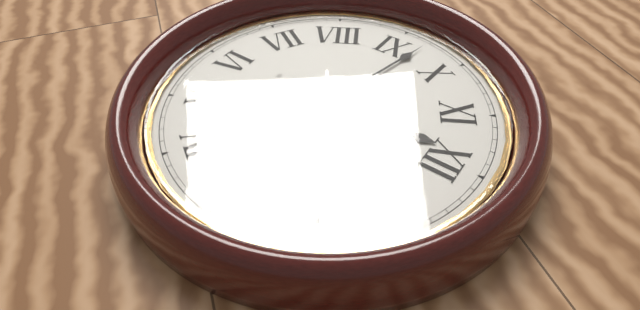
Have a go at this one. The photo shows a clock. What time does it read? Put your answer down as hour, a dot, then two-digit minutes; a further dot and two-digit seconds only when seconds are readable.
11.47.09
